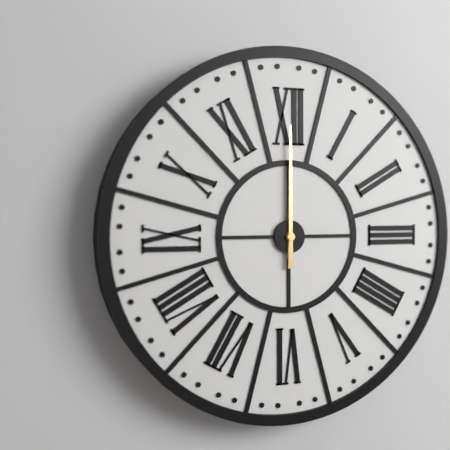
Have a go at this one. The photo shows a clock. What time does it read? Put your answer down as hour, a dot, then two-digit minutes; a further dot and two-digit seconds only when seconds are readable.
12.00
